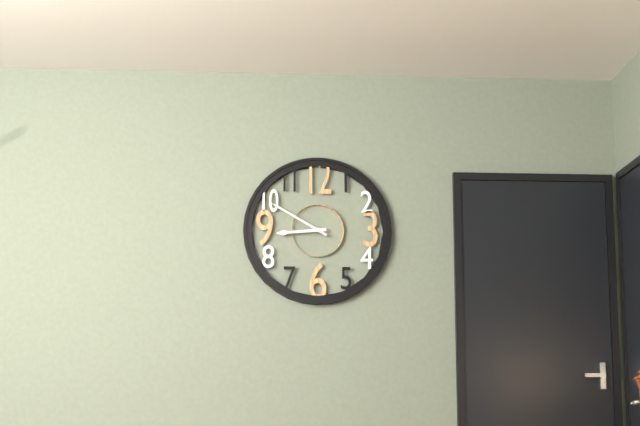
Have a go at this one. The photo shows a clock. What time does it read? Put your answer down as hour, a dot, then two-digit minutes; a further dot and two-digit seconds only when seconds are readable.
8.50
